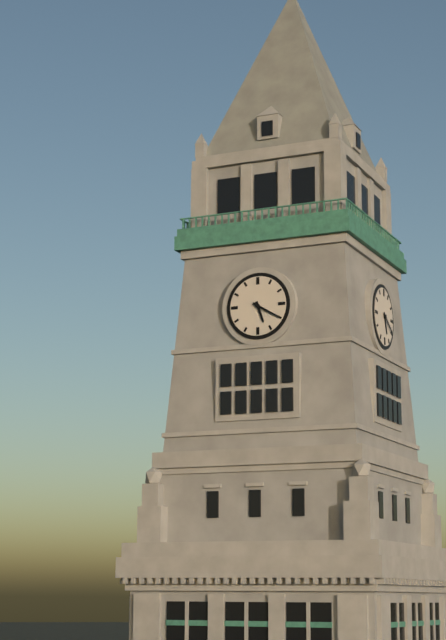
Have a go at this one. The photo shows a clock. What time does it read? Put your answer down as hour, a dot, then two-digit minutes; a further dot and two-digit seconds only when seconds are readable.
5.20
